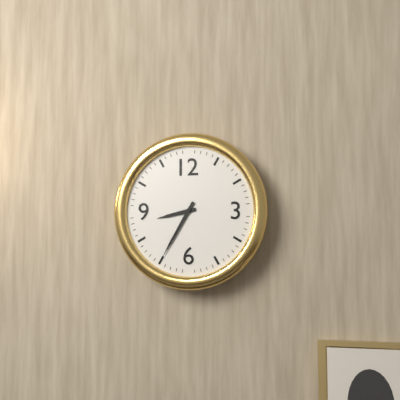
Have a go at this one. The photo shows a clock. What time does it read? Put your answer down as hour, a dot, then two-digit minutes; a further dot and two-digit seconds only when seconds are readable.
8.35
